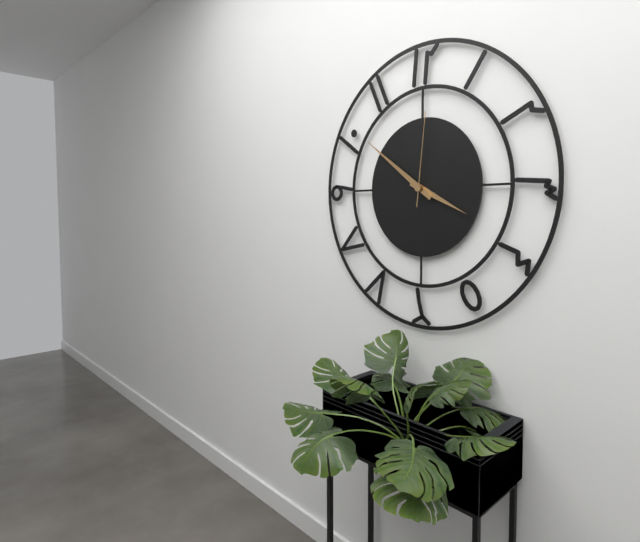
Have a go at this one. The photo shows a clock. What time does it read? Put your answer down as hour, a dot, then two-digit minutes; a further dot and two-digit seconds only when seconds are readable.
3.51.01
